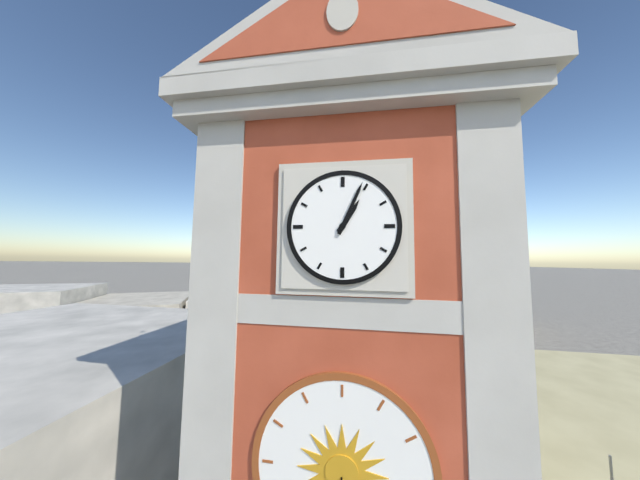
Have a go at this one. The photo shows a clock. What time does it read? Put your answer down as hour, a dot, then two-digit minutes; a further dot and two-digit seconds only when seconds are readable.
1.04
